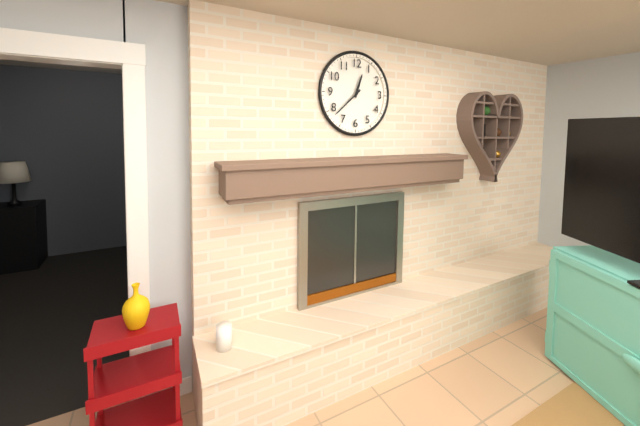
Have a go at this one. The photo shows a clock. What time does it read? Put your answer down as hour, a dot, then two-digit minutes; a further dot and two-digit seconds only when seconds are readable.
12.38
